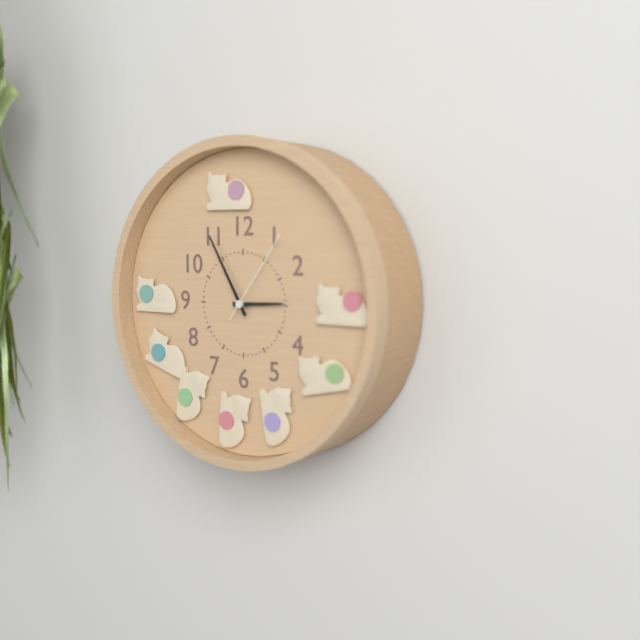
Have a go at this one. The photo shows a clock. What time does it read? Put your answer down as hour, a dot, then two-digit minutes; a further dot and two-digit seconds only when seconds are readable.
2.55.06
